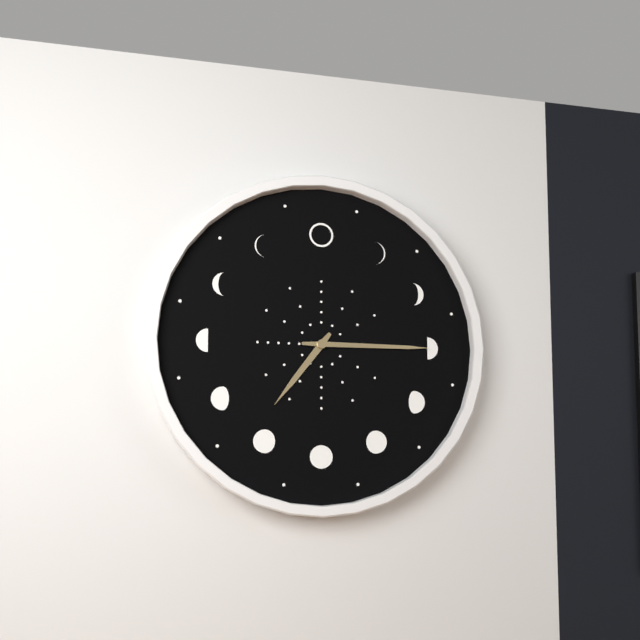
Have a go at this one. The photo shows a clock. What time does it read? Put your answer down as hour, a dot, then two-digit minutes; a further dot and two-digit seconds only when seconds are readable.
7.15
